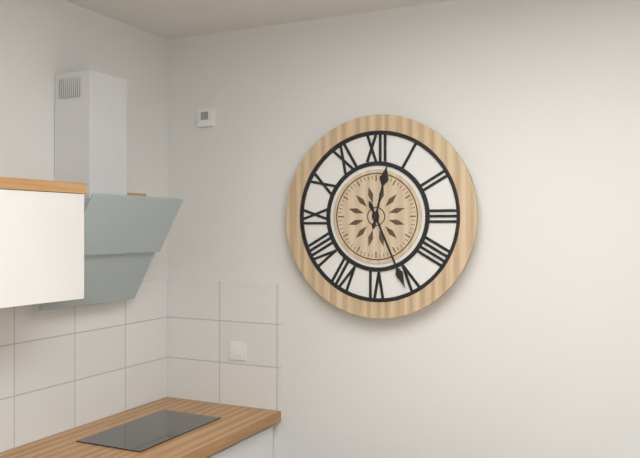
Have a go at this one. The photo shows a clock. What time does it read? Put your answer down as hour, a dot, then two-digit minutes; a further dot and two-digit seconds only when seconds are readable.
12.26
